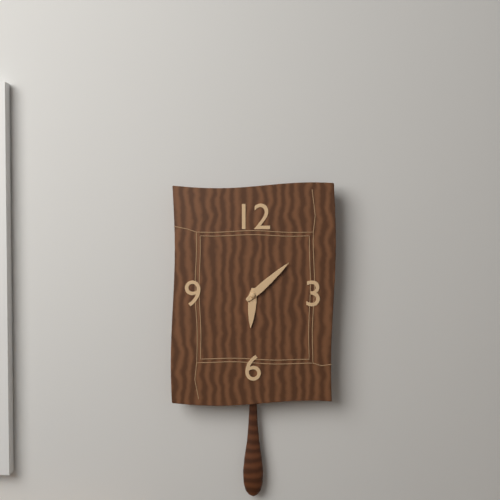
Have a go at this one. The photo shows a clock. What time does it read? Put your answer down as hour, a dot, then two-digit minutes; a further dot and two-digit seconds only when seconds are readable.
6.08
